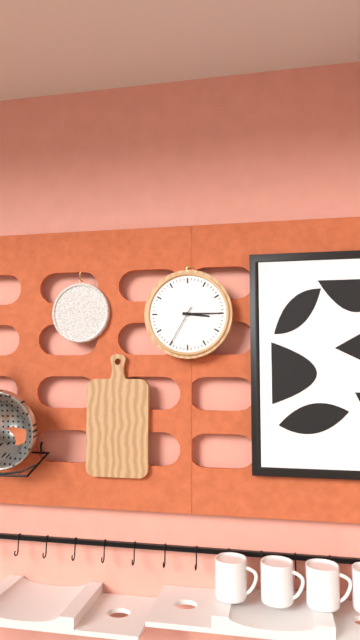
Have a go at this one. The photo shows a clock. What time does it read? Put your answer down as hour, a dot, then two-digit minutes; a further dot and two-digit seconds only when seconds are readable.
3.15
